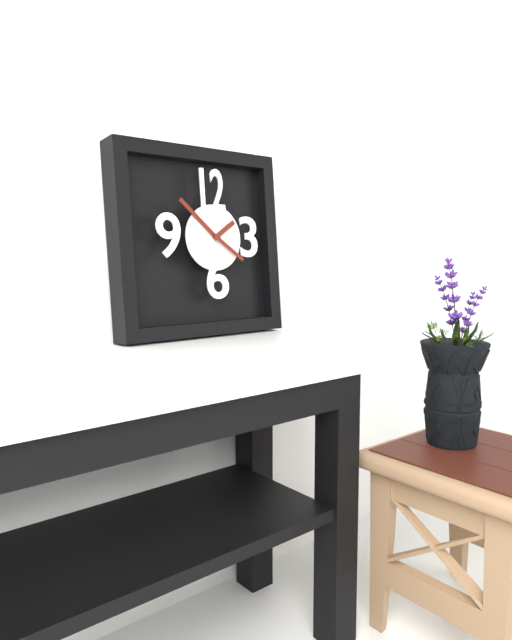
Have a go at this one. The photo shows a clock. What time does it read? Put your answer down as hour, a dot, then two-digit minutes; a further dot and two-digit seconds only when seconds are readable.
1.52
